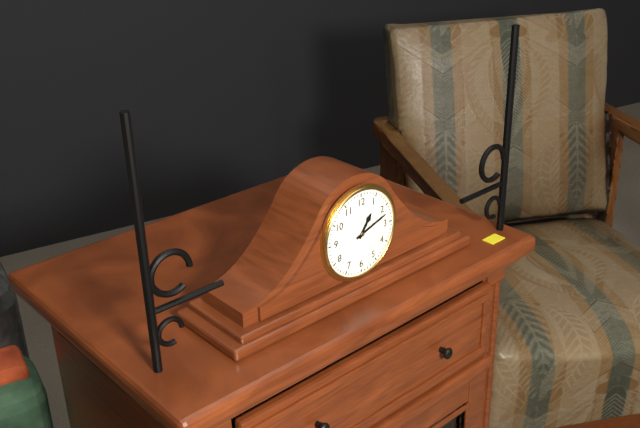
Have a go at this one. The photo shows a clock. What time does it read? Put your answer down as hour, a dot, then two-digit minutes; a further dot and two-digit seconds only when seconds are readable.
1.12
